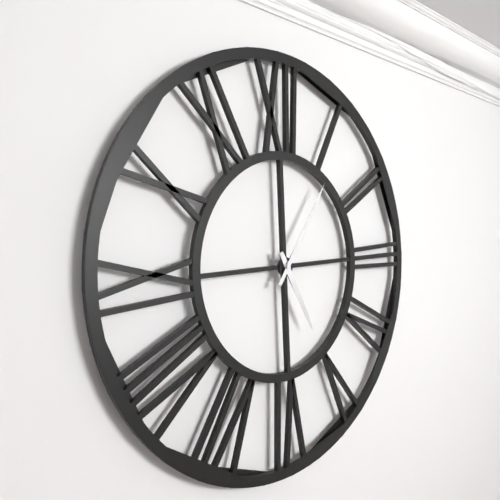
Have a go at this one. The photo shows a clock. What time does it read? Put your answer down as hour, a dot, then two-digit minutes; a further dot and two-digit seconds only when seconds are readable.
5.06
